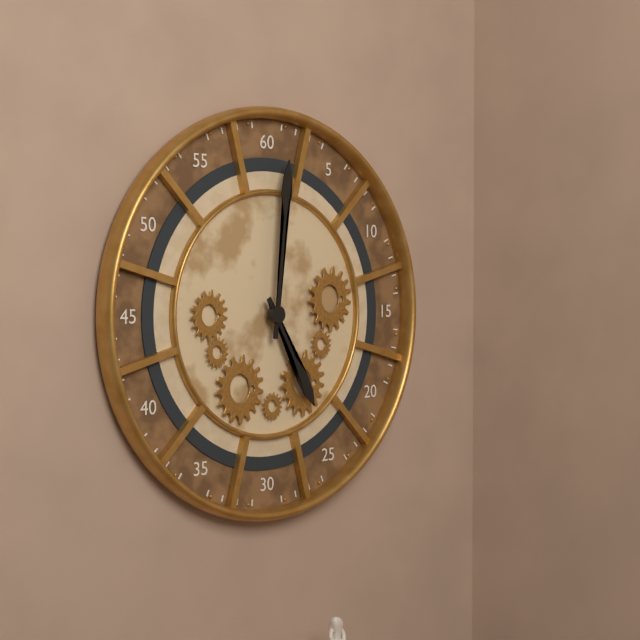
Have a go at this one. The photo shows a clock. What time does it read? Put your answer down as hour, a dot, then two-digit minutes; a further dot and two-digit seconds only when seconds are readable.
5.01
